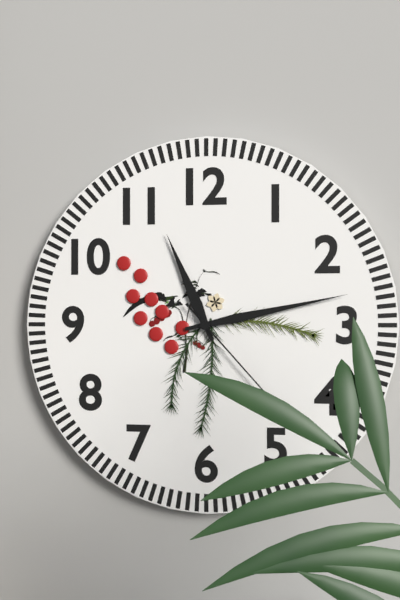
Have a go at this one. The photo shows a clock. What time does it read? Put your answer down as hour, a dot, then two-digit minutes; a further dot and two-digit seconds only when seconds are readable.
11.13.23
